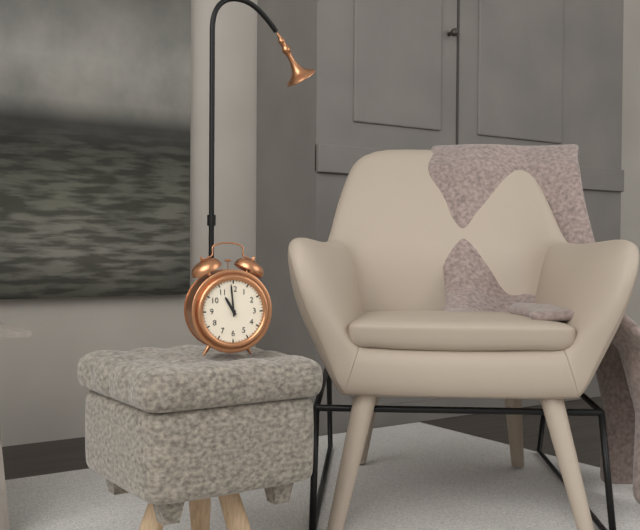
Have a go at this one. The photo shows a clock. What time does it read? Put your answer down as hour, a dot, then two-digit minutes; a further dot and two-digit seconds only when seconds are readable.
10.59
